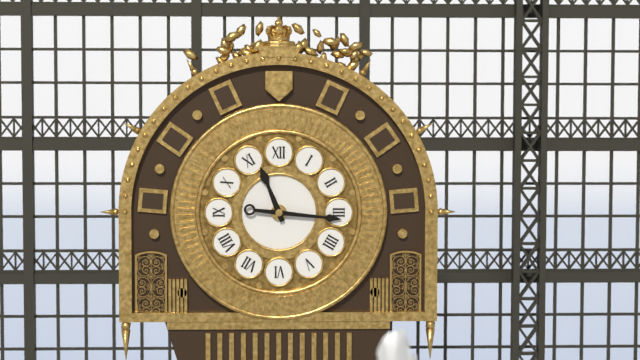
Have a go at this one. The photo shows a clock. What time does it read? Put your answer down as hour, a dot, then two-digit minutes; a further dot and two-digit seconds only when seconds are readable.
11.16
